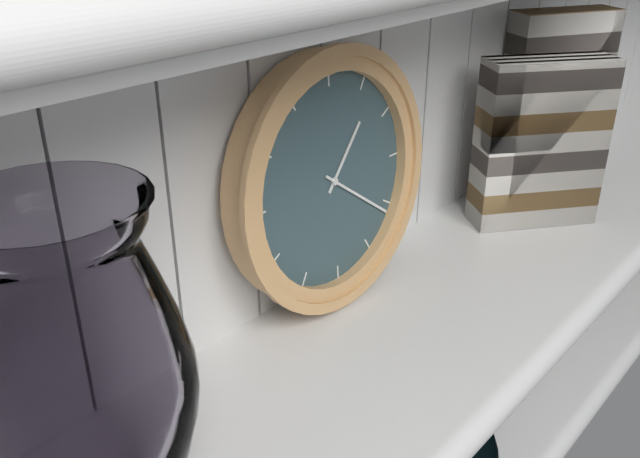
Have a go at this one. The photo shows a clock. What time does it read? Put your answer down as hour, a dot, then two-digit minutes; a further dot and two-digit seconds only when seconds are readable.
1.21
